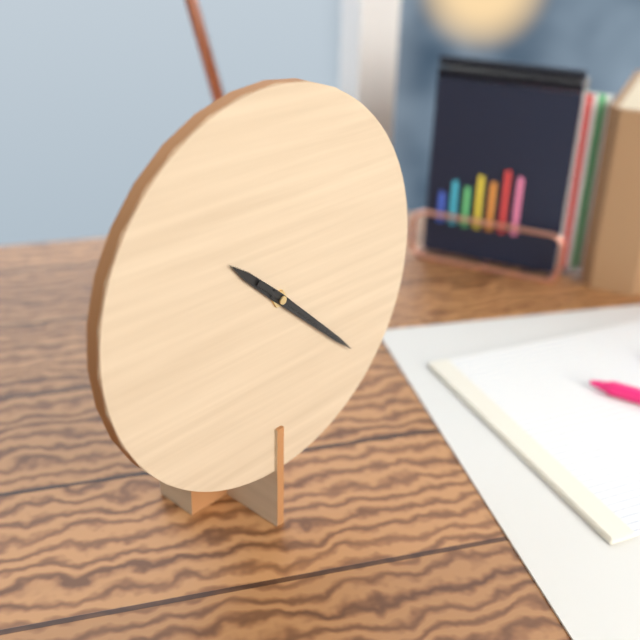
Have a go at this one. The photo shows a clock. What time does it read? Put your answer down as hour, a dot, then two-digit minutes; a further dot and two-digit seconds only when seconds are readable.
10.22.22
